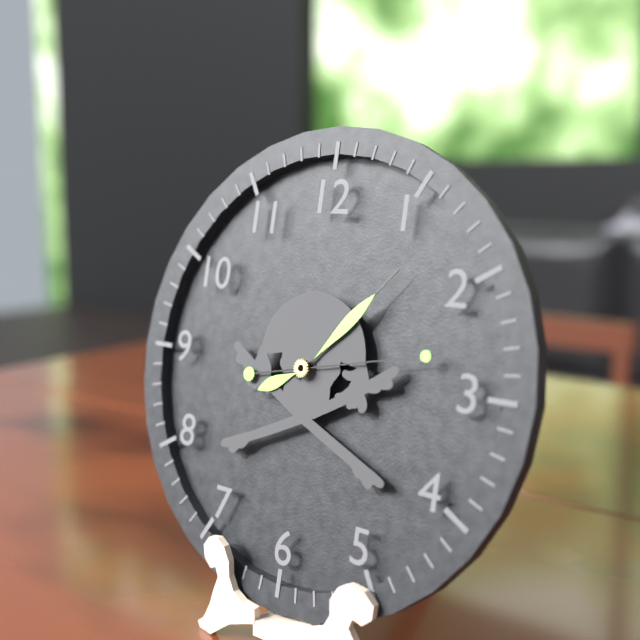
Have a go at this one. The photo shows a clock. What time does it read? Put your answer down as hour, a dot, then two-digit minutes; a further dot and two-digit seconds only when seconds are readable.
8.07.13
